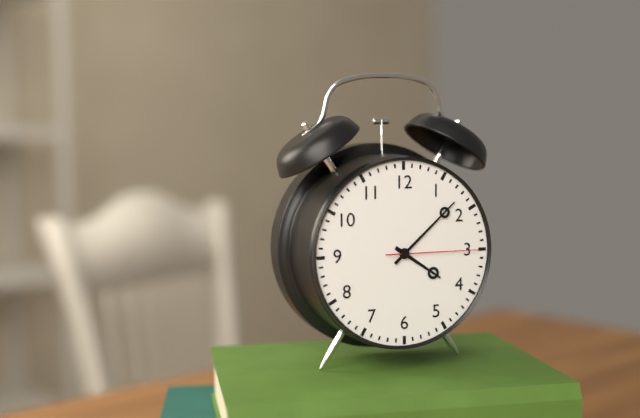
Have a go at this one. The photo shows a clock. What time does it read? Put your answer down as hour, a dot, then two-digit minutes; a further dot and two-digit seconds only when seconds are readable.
4.08.15
